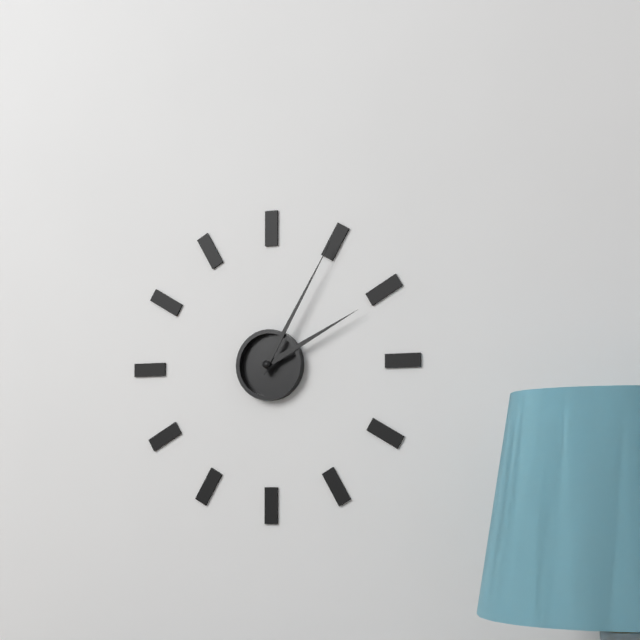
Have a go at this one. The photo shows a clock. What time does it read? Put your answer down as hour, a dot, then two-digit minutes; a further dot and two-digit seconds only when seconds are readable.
2.05
